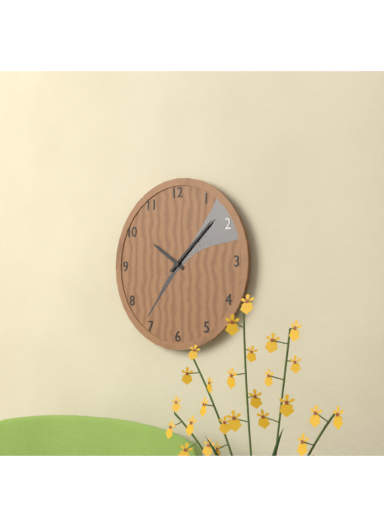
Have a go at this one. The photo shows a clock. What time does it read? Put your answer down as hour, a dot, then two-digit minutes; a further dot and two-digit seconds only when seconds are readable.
10.08
